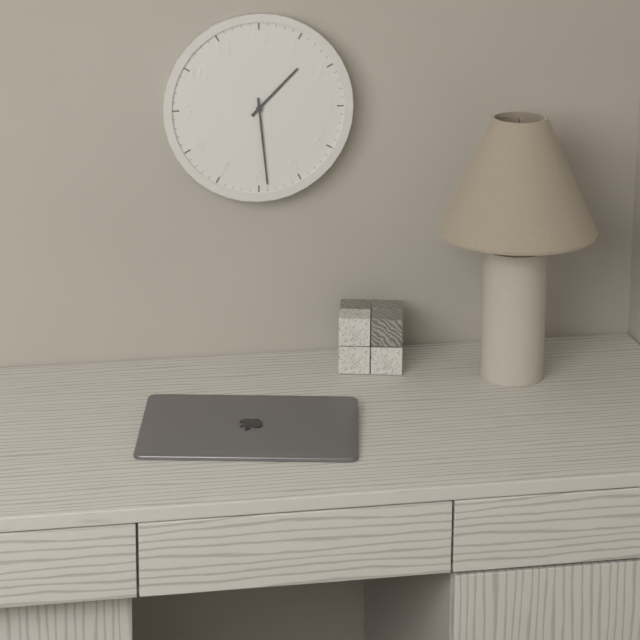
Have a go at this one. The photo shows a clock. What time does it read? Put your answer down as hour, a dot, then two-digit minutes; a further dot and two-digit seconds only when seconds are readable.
1.29
